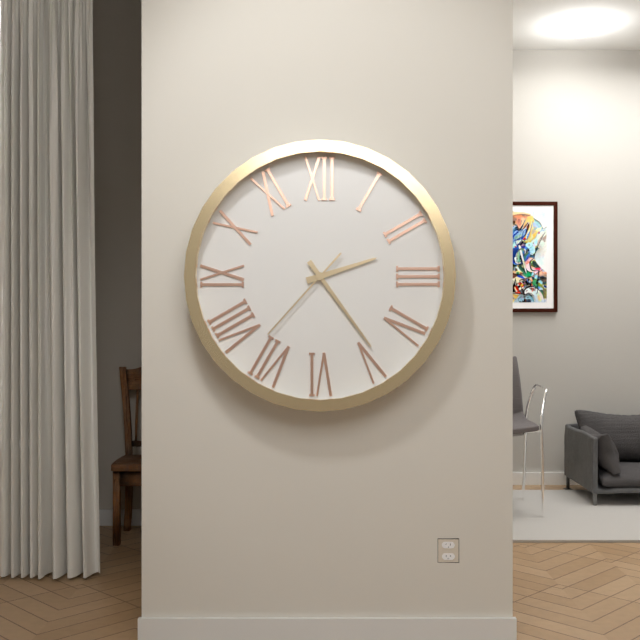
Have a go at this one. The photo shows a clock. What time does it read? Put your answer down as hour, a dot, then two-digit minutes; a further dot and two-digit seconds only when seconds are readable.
2.24.37
